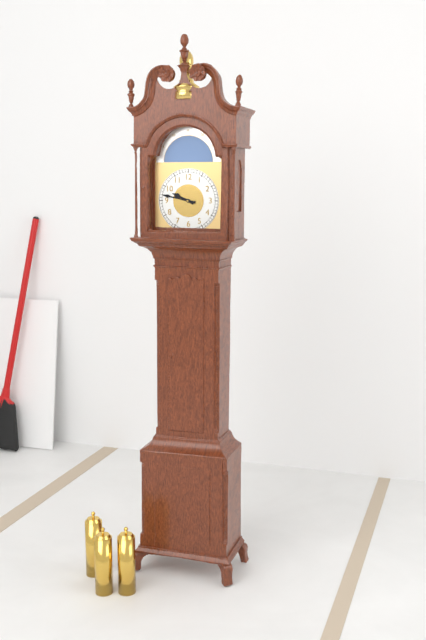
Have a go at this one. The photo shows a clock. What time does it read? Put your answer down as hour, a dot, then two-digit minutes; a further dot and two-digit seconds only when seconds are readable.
9.47
